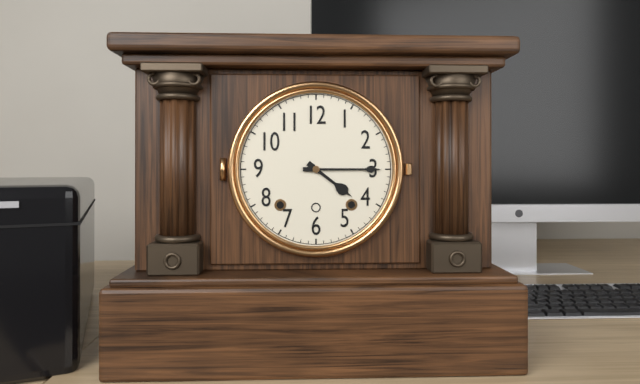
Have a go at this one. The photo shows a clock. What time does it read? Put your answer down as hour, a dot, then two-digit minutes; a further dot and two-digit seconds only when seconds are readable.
4.15
